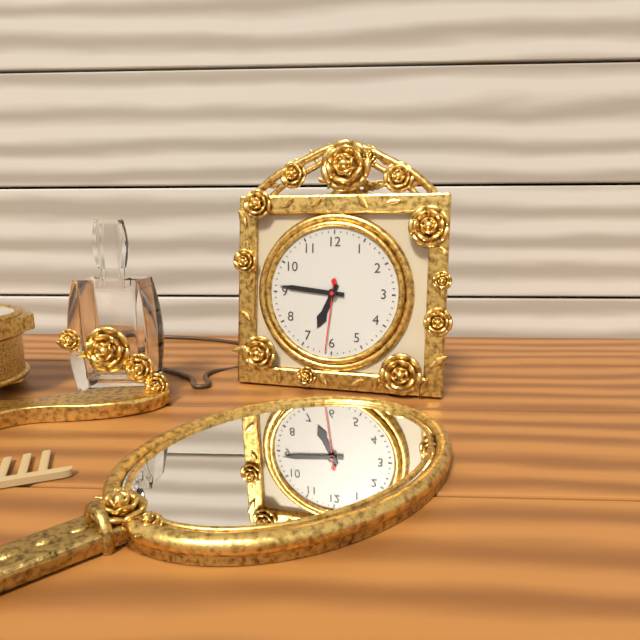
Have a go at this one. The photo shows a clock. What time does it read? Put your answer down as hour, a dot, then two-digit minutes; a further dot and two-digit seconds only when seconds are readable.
6.46.31
